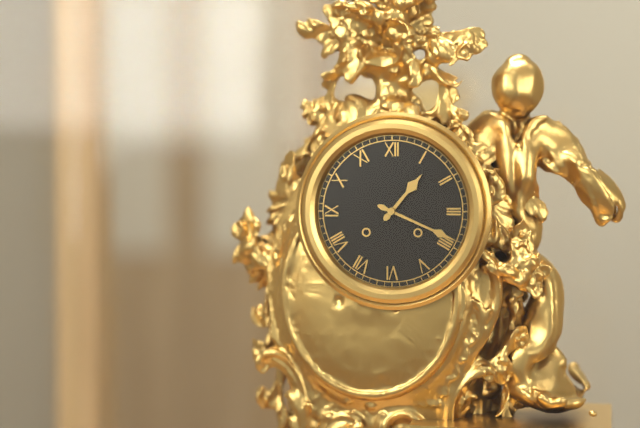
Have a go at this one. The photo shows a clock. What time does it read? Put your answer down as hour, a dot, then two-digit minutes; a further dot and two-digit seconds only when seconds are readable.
1.19
